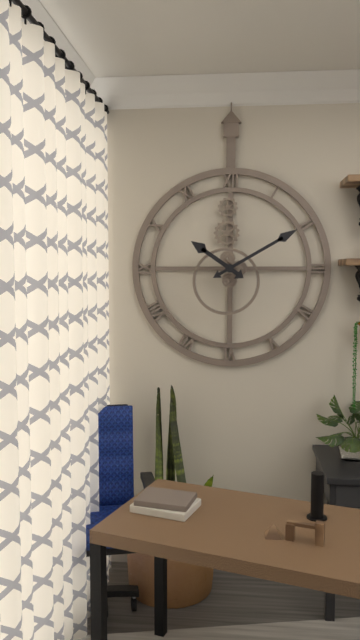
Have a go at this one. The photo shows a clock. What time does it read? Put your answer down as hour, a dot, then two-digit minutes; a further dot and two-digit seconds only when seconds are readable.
10.10
